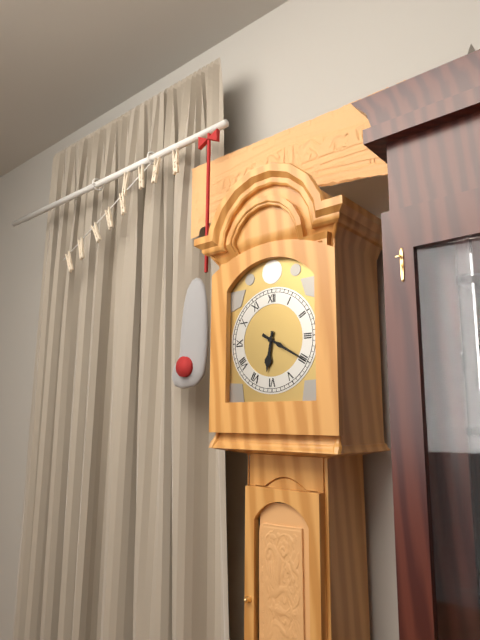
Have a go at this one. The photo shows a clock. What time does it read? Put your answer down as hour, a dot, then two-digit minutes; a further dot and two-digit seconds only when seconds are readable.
6.20
